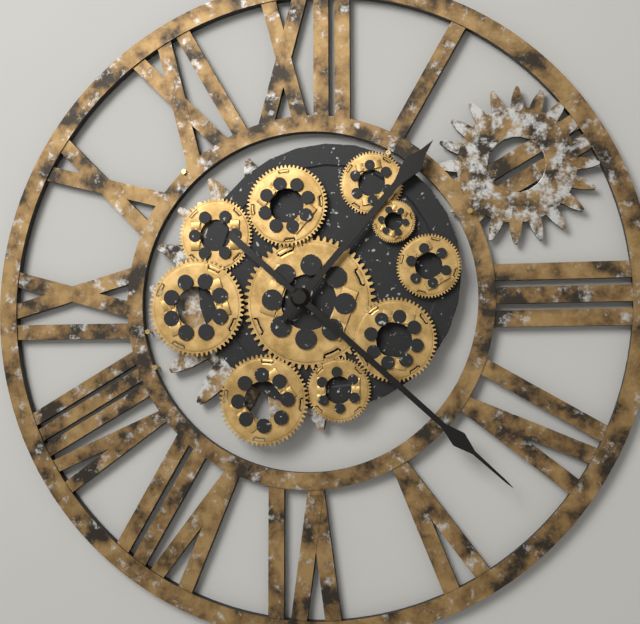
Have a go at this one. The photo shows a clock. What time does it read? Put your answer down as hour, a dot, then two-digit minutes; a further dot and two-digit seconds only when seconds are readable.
1.22
